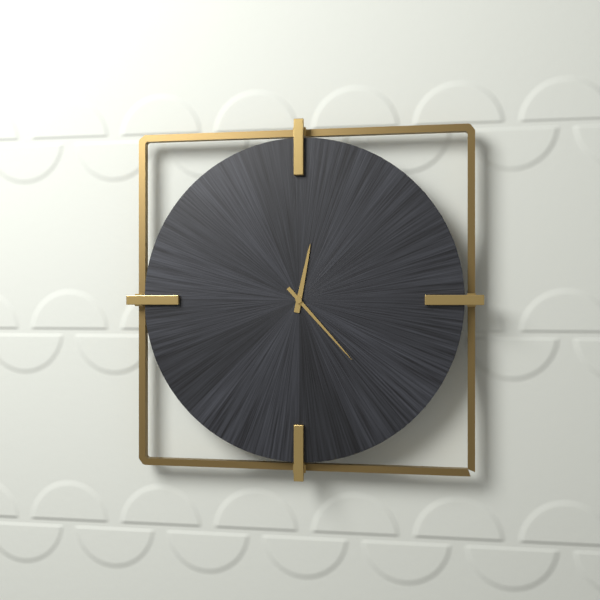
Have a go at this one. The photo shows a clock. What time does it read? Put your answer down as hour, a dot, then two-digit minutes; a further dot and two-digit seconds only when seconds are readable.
12.23
